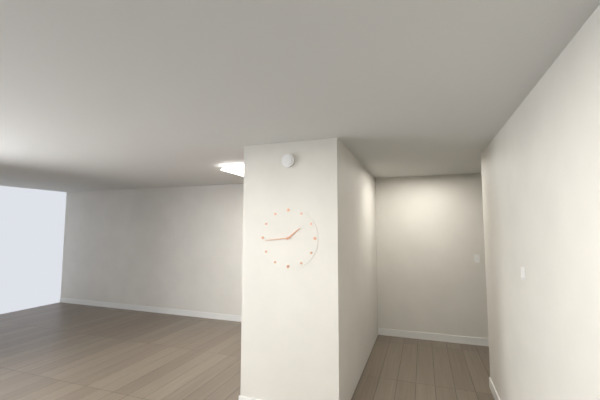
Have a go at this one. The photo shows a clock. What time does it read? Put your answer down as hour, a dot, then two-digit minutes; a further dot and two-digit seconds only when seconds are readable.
1.44
